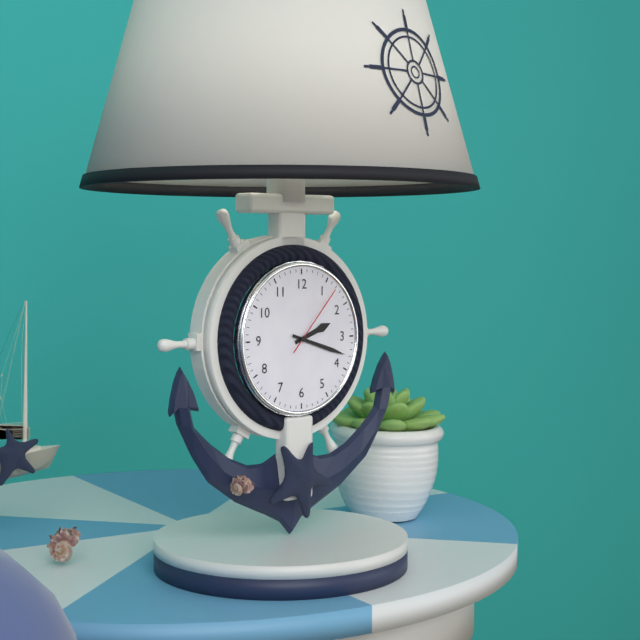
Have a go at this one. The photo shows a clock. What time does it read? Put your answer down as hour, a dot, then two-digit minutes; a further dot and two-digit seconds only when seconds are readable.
2.18.07
